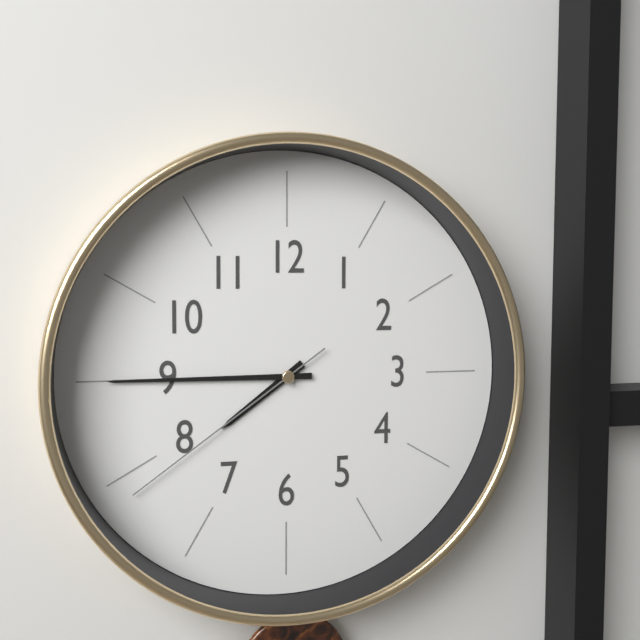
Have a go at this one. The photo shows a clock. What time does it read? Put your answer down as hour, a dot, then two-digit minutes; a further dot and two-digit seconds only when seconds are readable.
7.45.39
